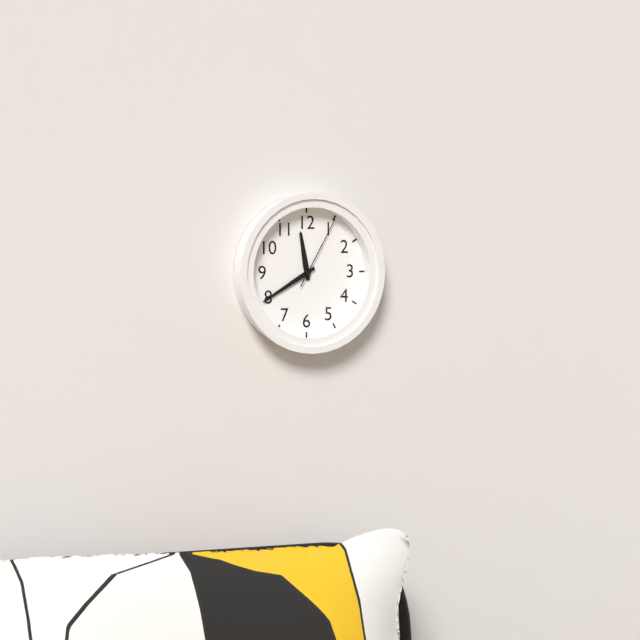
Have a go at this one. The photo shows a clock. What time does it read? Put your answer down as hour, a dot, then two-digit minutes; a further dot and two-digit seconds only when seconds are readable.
11.40.05
